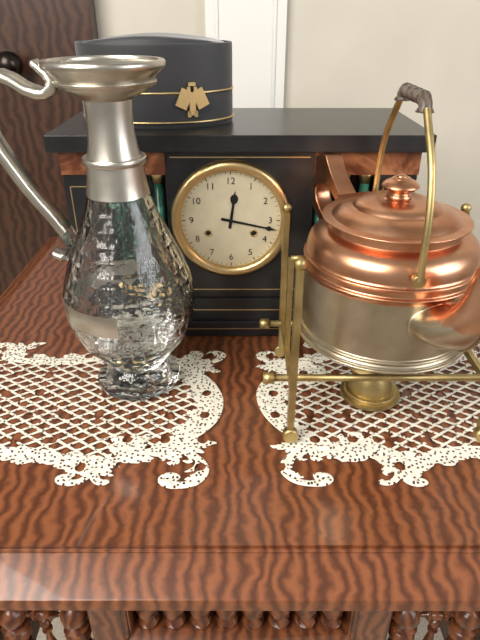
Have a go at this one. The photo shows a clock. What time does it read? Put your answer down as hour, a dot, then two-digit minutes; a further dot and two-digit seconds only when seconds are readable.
12.17
